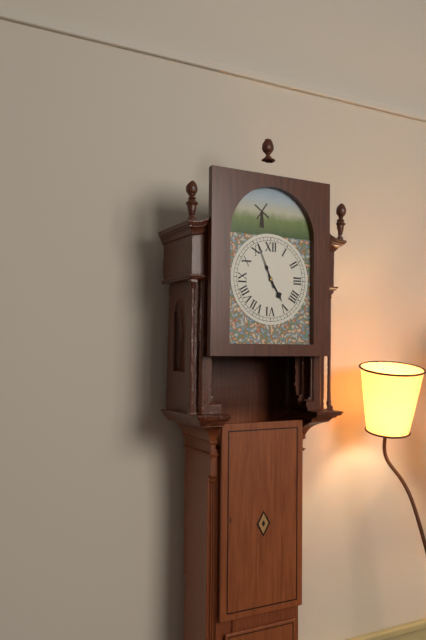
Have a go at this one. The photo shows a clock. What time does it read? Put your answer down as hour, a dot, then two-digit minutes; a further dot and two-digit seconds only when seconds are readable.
4.56
